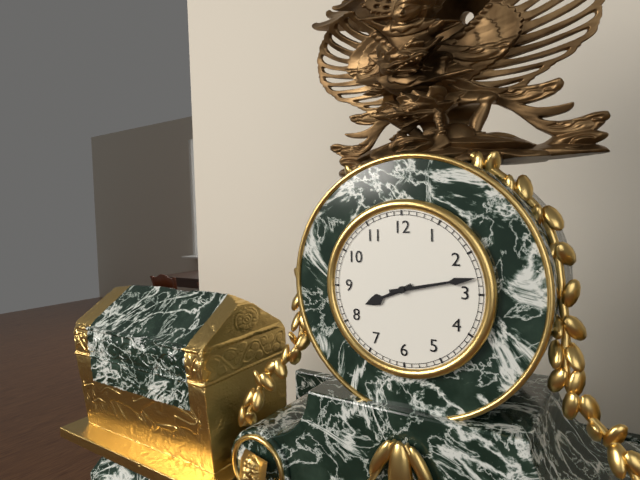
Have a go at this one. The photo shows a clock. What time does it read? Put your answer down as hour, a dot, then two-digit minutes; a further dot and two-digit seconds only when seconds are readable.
8.13
